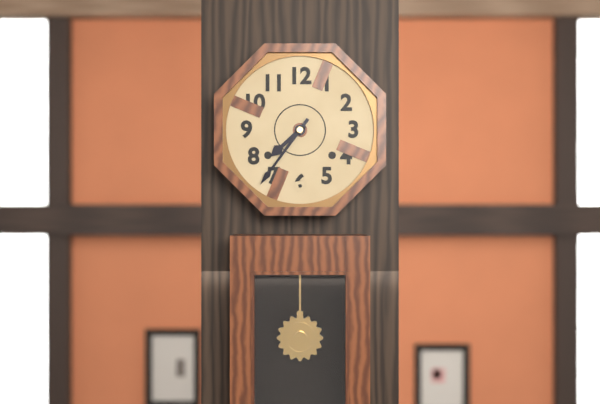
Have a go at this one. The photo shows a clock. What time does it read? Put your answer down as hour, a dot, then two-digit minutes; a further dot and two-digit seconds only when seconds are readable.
7.36
